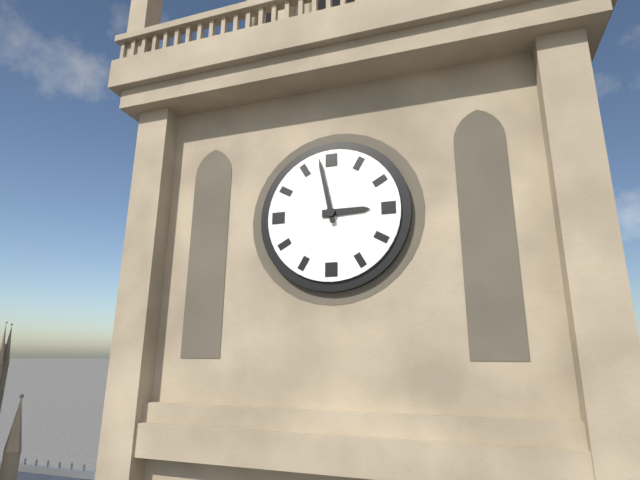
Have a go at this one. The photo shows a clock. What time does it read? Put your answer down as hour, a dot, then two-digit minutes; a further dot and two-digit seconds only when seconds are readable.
2.58
